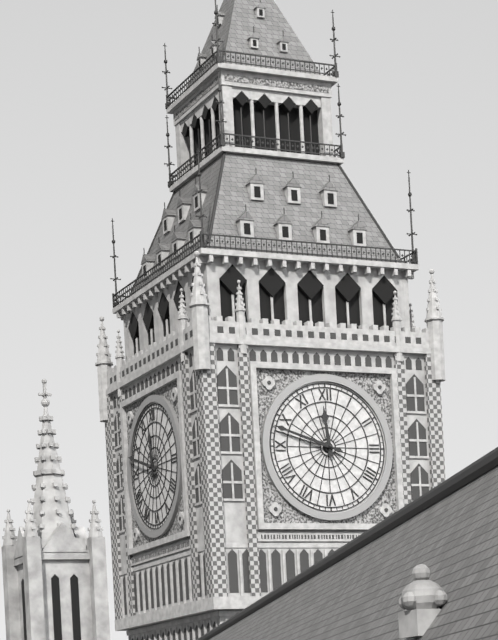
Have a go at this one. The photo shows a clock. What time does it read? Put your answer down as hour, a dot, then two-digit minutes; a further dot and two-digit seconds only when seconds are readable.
11.48
